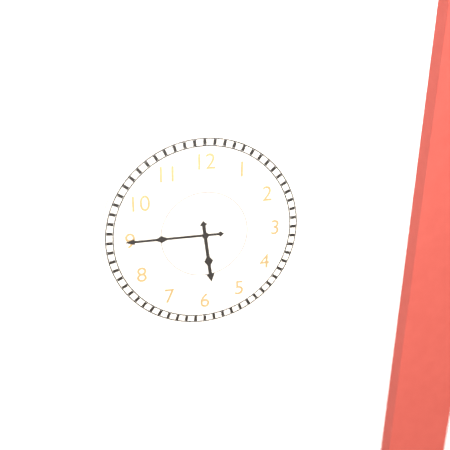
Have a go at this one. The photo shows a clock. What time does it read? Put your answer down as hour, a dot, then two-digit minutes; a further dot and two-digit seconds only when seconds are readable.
5.45
